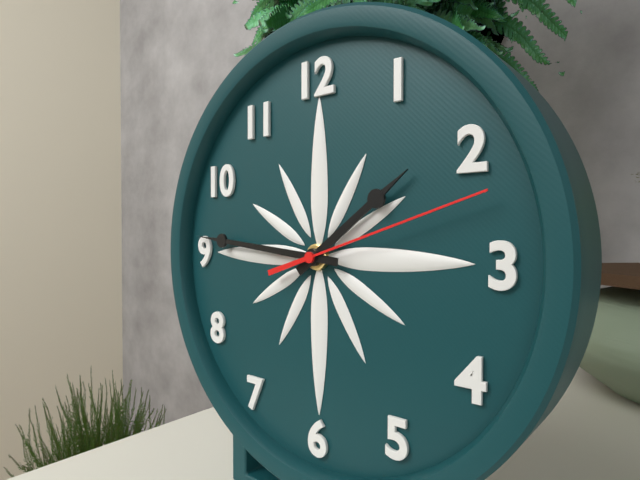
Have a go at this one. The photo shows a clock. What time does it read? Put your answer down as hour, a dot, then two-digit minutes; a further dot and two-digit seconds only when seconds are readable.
1.46.12
